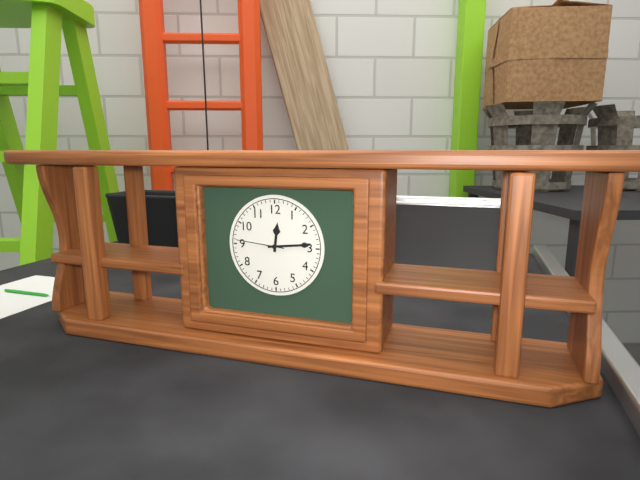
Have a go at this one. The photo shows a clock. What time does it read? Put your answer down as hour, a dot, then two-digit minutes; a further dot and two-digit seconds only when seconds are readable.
12.14
